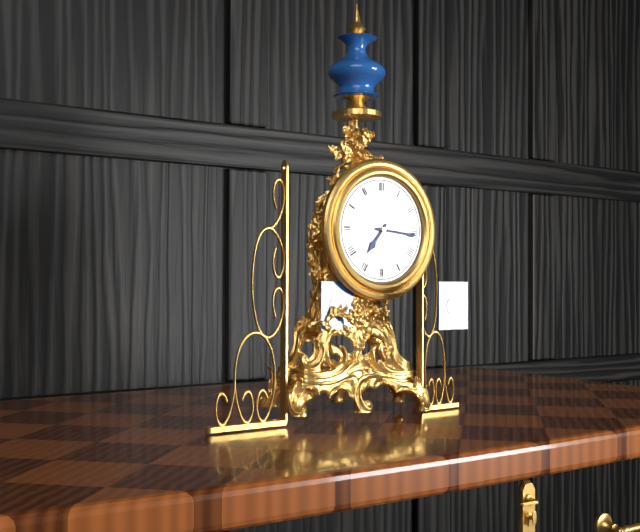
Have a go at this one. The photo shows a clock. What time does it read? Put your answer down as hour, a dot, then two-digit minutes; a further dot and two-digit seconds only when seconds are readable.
7.16
